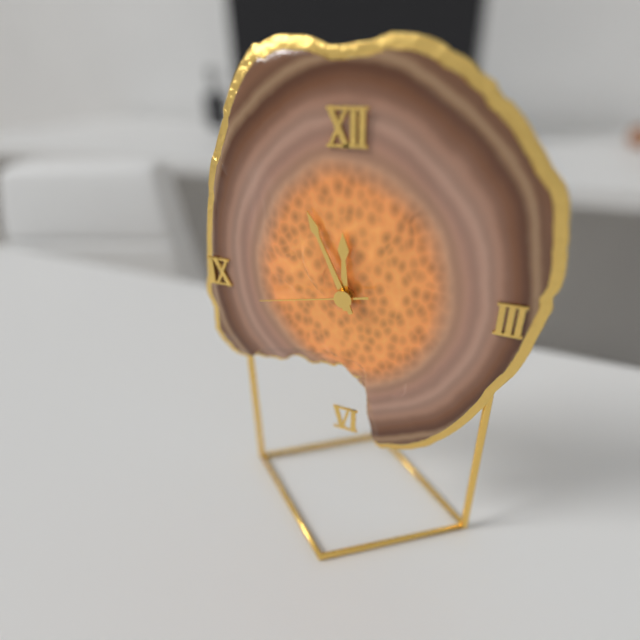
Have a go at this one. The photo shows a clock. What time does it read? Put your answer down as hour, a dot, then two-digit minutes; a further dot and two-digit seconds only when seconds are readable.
11.56.43
